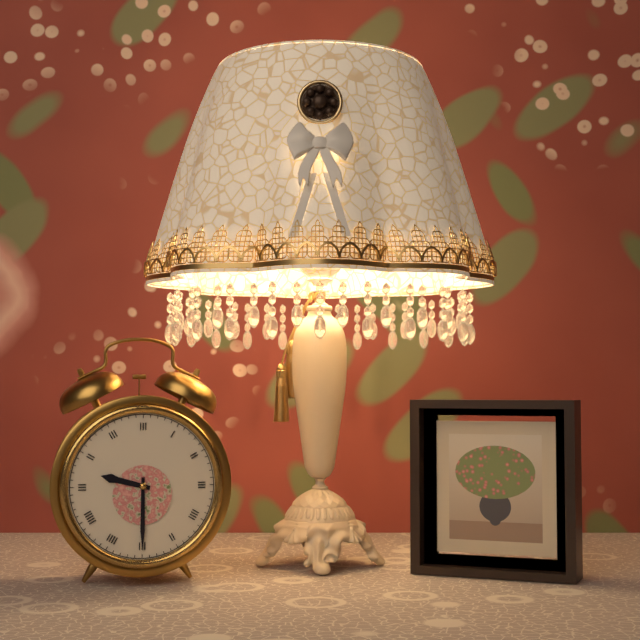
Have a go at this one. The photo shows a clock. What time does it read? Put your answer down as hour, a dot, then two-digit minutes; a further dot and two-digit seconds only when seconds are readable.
9.30
